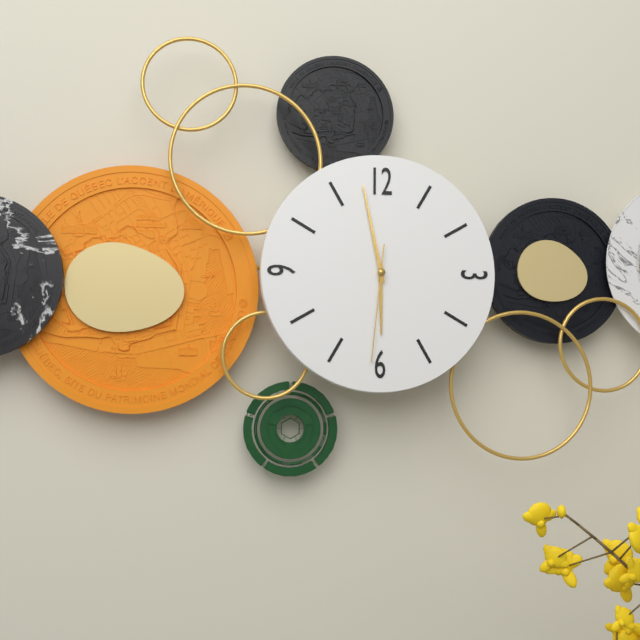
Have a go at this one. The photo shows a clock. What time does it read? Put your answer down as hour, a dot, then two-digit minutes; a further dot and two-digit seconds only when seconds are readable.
5.58.31
